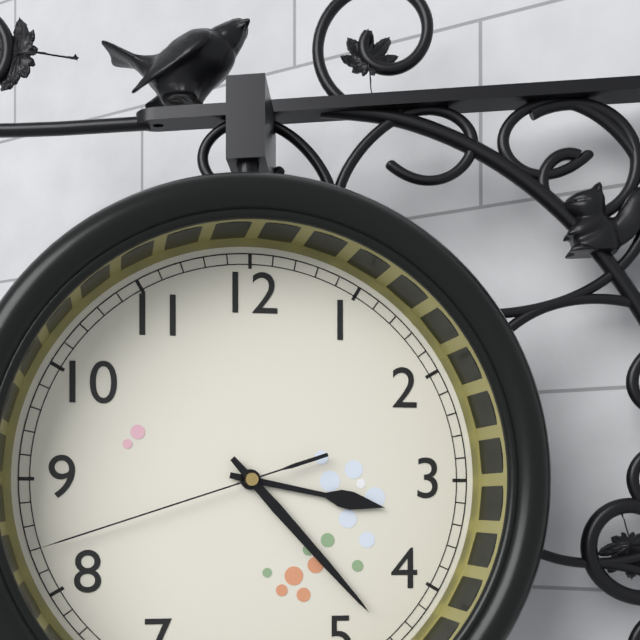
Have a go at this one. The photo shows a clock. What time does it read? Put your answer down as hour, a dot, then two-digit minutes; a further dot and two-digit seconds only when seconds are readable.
3.23.42
